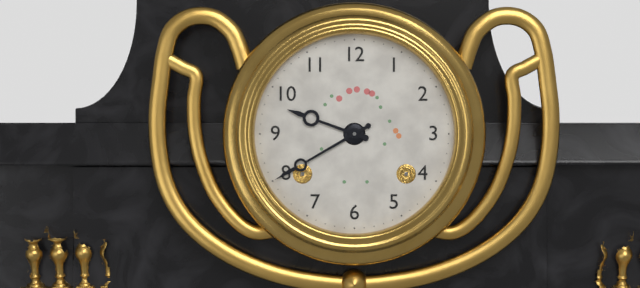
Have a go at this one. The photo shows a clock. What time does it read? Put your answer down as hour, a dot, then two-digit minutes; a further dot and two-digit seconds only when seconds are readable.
9.40
